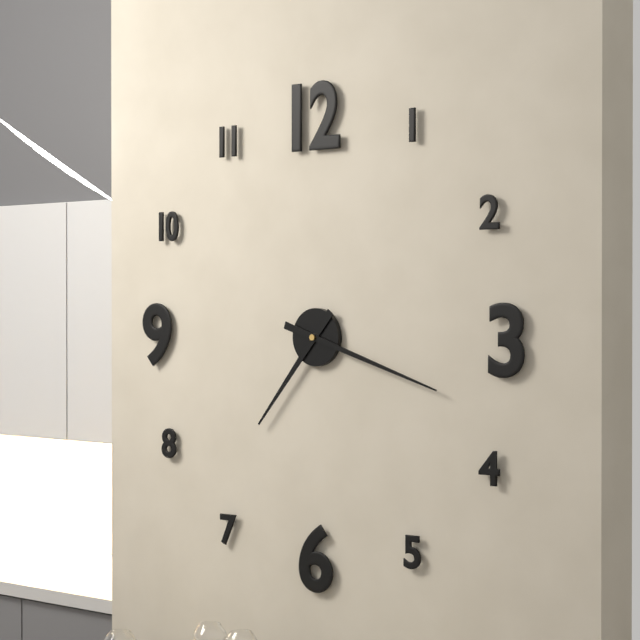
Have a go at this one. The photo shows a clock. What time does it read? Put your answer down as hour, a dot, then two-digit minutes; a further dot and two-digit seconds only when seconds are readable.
7.18
